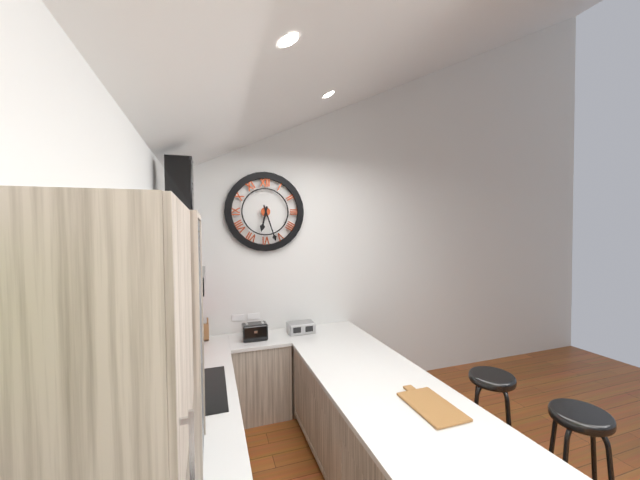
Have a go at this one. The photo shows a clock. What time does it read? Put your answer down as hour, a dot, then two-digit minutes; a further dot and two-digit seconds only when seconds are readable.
6.27
